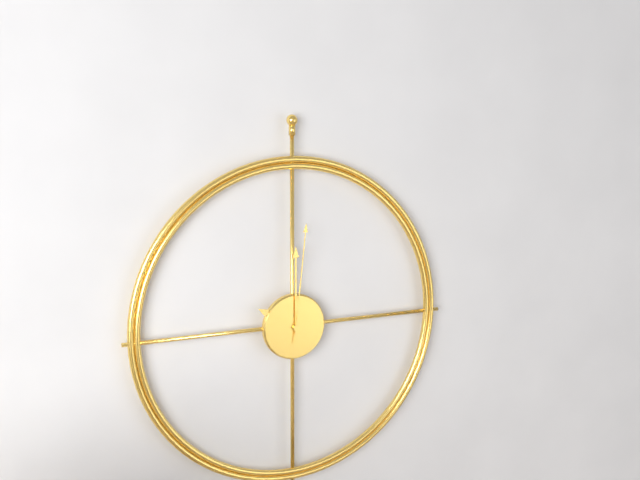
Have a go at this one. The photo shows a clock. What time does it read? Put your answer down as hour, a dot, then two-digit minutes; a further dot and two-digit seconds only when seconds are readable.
10.00.01
